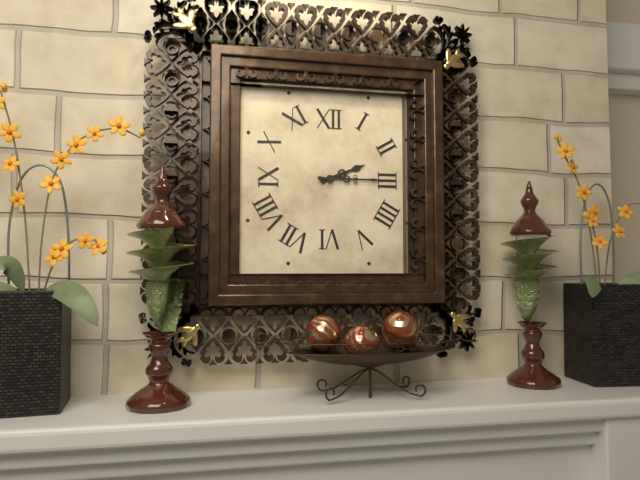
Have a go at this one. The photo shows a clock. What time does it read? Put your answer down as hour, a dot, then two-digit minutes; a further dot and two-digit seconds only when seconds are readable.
2.15
